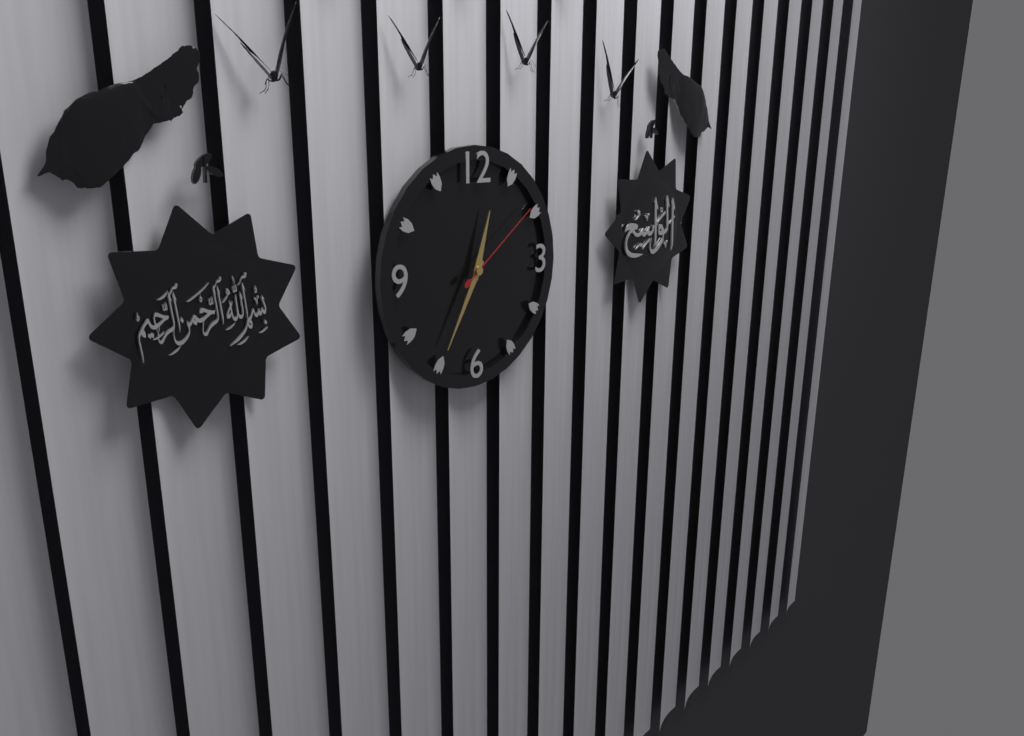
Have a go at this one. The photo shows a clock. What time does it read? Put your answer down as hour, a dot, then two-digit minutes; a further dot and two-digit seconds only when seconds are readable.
12.35.09
